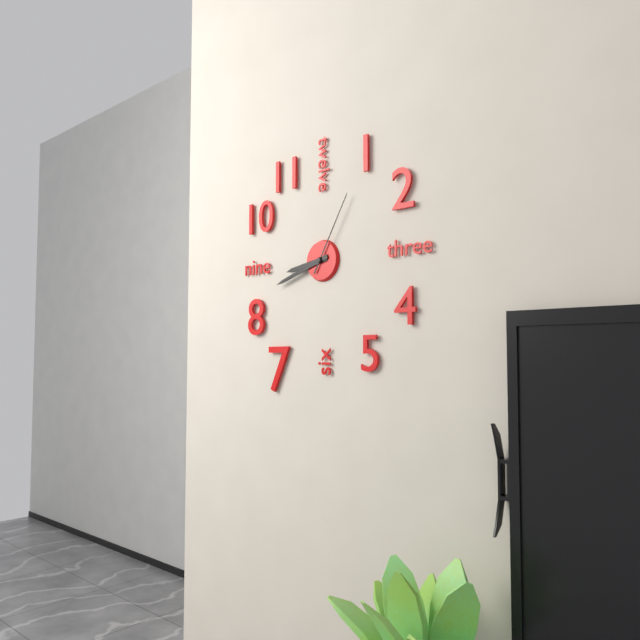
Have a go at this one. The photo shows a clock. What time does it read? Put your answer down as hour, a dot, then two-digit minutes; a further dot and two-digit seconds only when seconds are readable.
8.42.05
